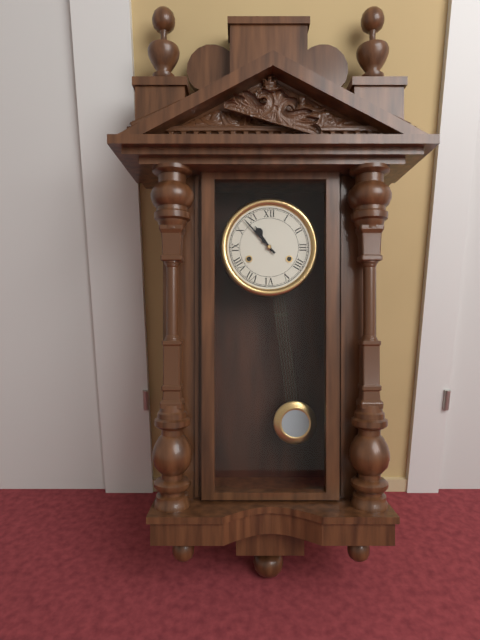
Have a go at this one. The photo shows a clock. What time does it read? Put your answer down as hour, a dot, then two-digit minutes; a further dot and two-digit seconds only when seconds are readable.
10.53
